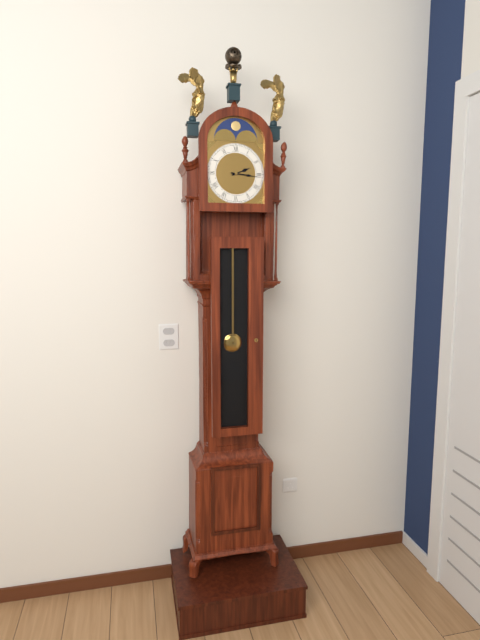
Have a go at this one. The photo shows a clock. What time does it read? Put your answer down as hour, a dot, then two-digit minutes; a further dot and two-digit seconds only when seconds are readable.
2.16
